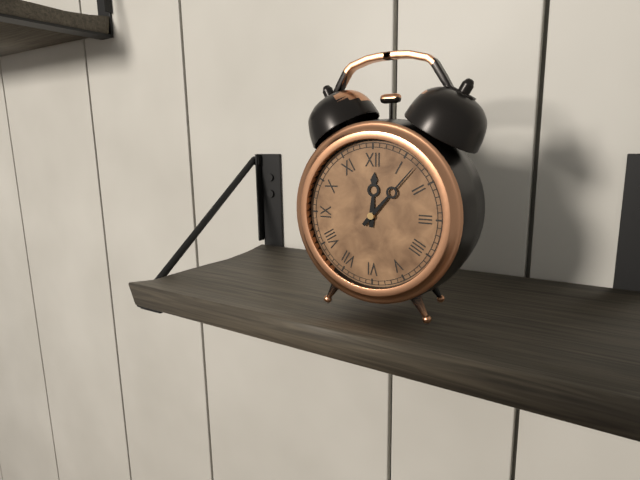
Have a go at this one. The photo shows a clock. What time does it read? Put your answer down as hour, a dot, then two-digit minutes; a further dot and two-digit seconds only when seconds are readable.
12.07
